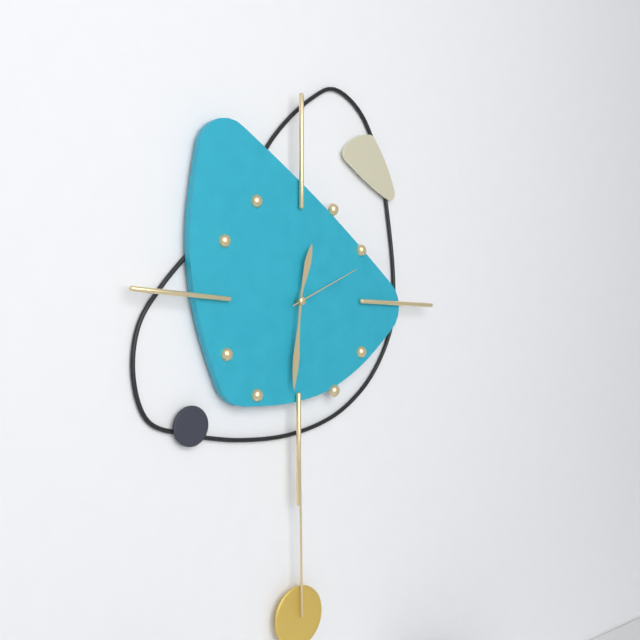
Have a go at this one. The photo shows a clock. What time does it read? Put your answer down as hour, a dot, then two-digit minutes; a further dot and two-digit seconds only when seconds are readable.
12.31.11
